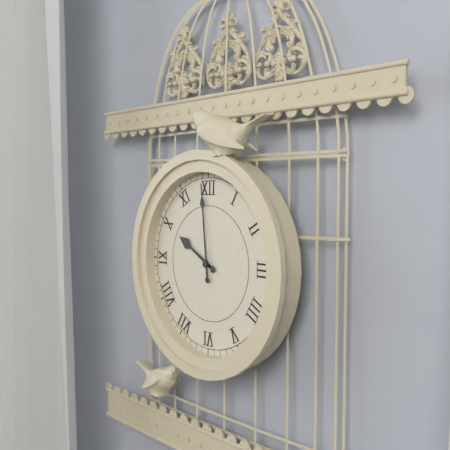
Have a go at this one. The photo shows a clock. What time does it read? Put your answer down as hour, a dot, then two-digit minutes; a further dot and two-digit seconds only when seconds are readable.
9.59
